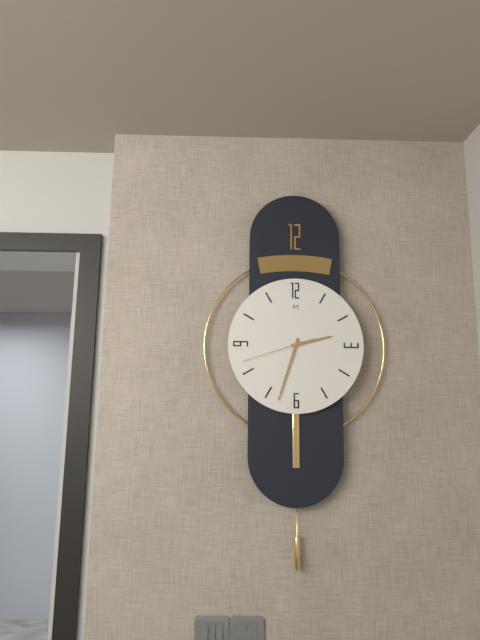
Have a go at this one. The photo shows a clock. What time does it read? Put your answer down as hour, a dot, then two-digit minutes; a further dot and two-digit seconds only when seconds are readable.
2.33.42
